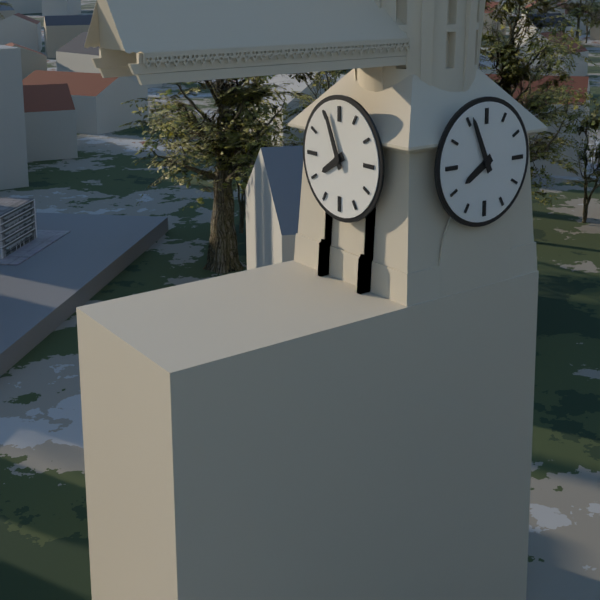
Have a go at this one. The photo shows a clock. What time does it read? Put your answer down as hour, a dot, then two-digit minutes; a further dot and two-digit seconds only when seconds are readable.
7.56
